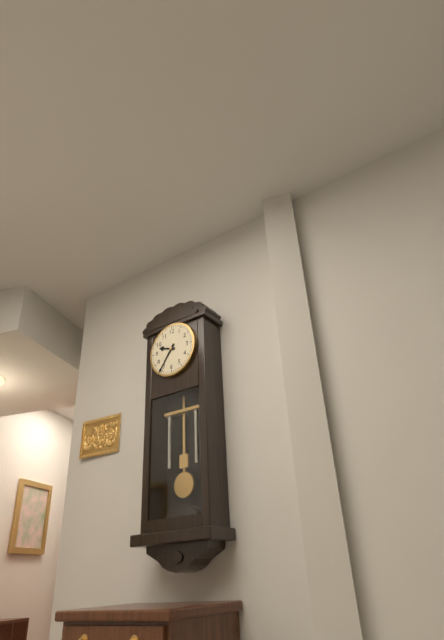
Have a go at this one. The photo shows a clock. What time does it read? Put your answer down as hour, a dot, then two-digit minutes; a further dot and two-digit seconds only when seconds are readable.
9.36
